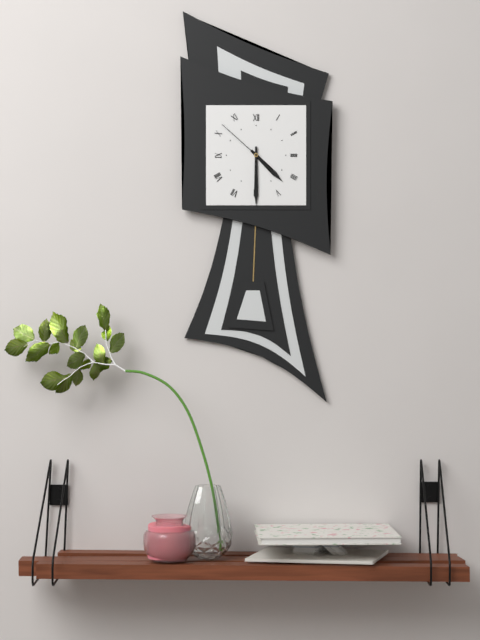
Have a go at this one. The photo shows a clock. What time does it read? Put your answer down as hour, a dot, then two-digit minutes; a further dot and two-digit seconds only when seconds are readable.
4.30.52
